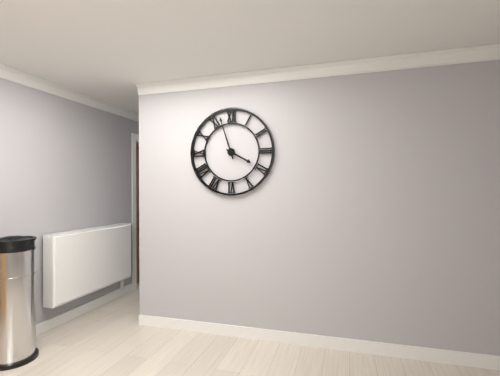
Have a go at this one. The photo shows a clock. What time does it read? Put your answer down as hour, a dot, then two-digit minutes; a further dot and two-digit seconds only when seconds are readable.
3.57
